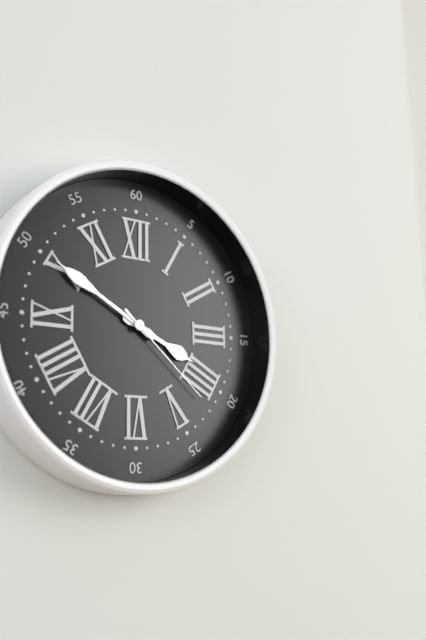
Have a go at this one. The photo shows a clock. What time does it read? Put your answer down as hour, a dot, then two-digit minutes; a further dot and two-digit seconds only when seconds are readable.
3.50.22
